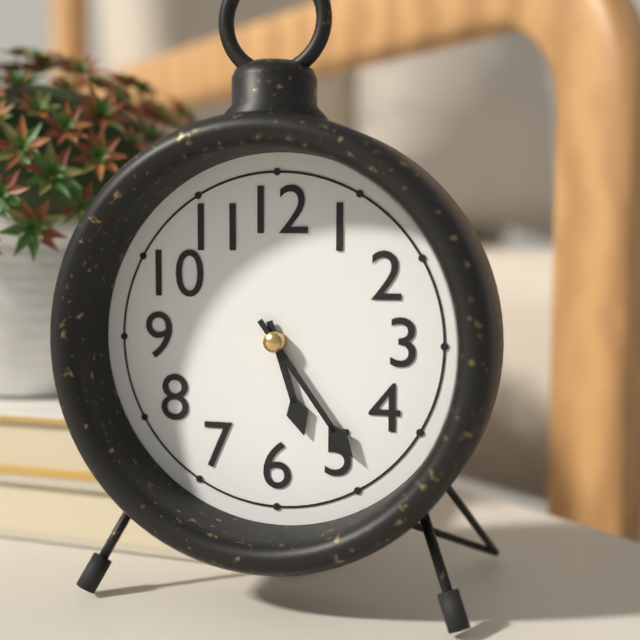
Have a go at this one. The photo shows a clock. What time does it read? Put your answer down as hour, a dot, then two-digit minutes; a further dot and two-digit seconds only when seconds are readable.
5.24
